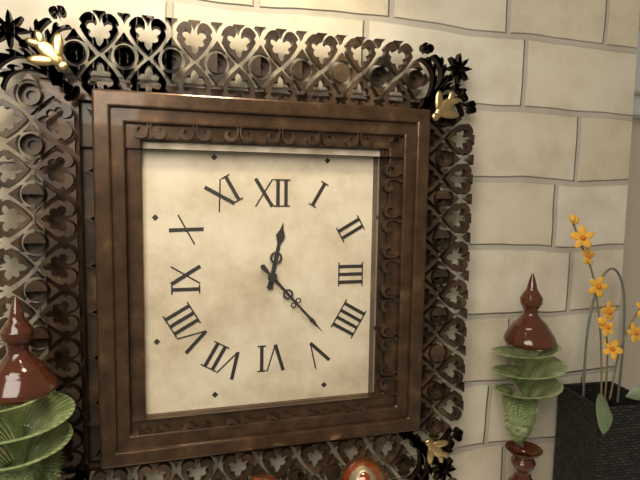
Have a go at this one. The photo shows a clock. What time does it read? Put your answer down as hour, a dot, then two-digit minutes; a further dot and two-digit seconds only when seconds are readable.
12.23
